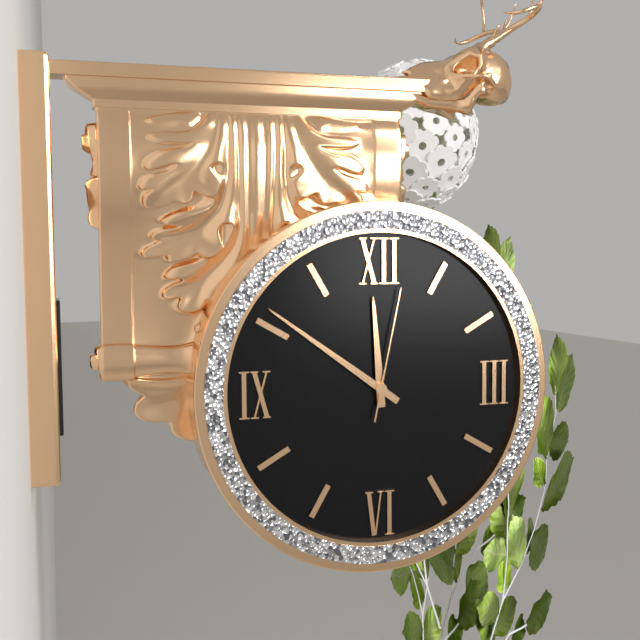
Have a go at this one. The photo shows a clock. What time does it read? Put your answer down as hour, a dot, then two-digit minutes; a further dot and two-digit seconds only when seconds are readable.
11.51.02
